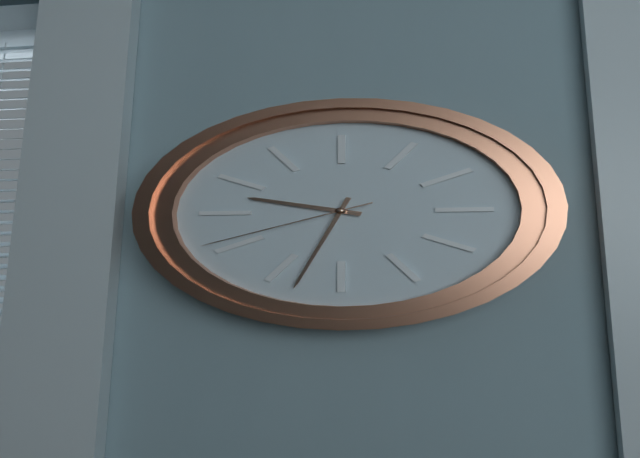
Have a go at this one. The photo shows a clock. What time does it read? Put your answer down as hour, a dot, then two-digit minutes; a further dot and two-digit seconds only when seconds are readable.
9.33.41
